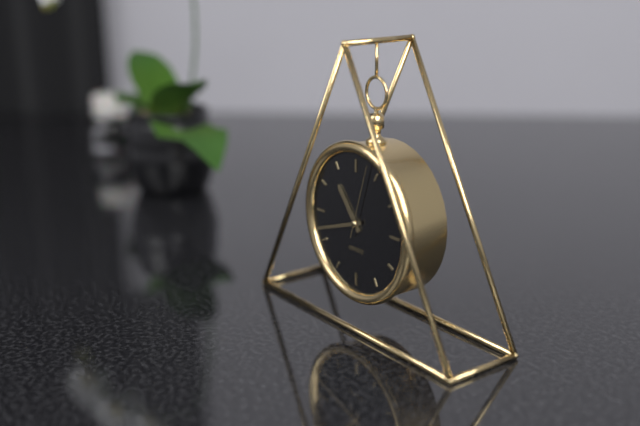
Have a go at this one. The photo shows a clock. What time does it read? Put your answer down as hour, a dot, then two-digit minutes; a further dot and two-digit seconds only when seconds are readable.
10.42.03
